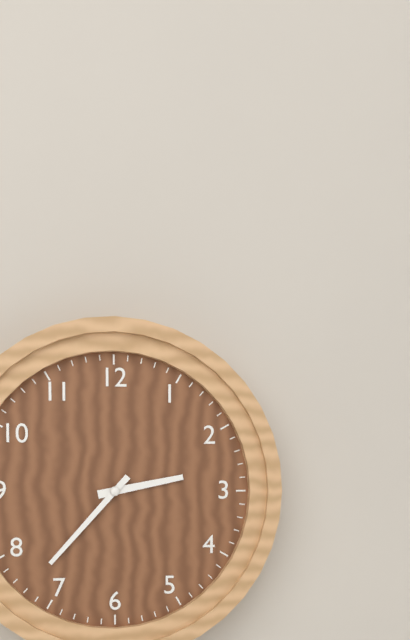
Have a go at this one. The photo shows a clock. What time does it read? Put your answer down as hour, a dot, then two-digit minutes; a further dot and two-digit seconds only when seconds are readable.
2.37
